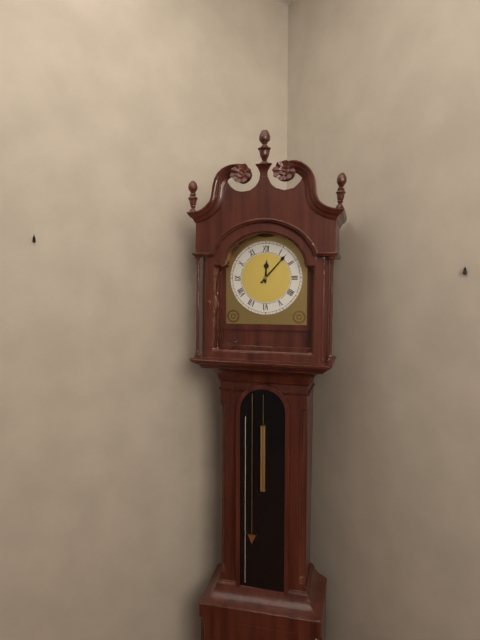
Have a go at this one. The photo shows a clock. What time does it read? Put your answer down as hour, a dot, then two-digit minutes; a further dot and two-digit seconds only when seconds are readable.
12.07
